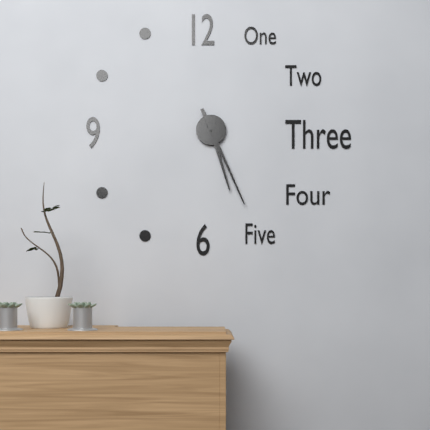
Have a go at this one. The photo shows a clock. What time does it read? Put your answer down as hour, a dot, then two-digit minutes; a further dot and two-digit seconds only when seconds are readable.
5.26
